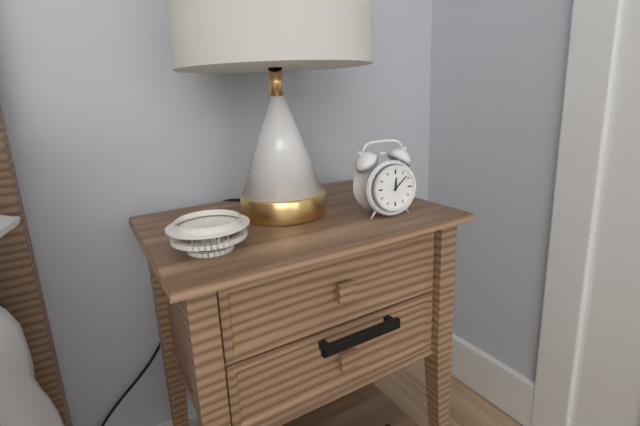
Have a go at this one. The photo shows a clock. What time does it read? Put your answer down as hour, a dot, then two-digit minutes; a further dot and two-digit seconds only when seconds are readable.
12.08
